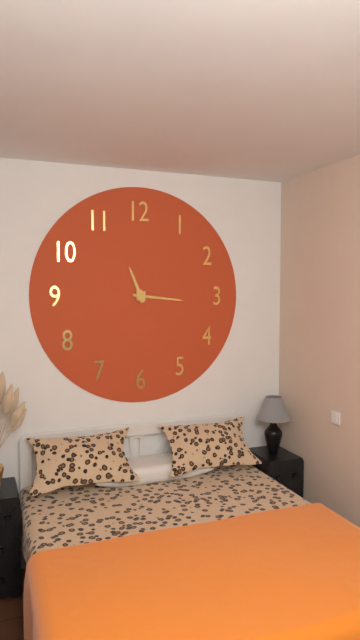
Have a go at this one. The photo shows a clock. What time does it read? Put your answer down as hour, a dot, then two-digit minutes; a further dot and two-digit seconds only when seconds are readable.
11.16
